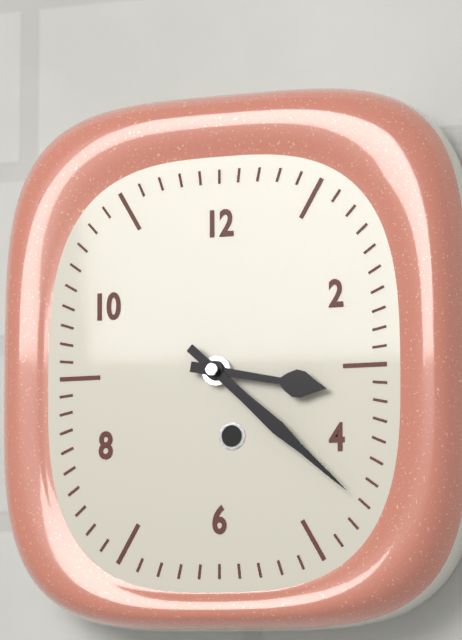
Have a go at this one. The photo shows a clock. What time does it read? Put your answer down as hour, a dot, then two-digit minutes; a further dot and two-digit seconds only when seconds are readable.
3.22
